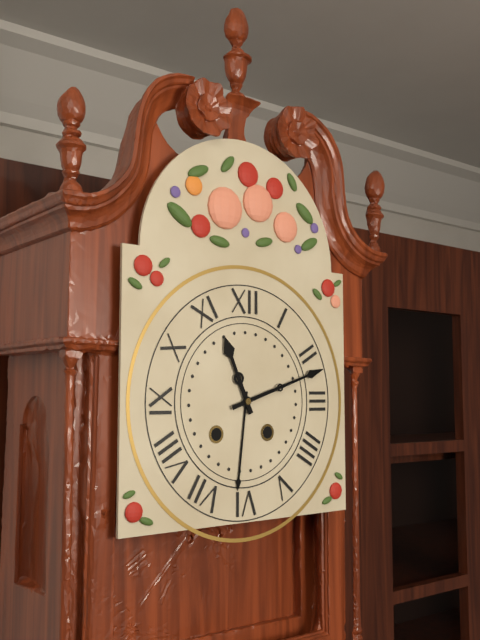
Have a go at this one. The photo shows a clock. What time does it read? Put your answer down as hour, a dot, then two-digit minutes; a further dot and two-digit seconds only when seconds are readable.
11.12
